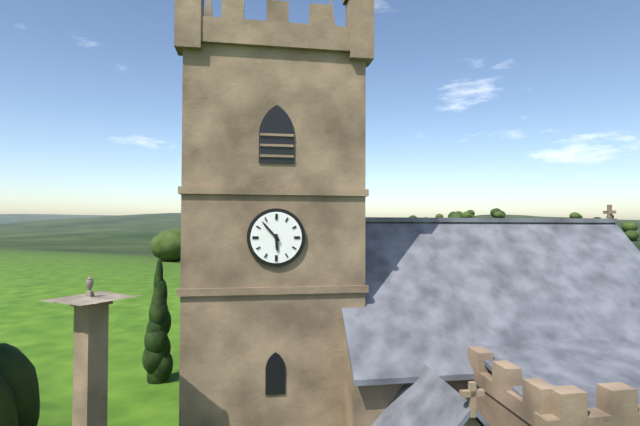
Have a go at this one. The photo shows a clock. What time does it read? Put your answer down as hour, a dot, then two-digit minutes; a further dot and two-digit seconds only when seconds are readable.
5.53
